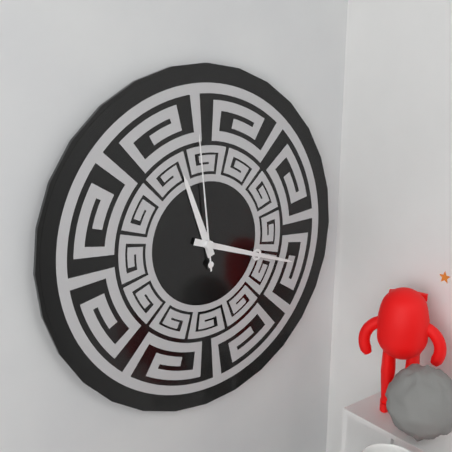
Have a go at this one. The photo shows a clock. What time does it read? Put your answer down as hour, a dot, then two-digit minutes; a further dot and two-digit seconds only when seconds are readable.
11.18.59
